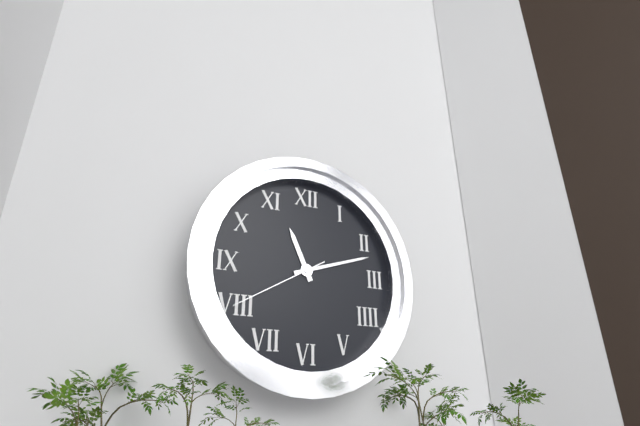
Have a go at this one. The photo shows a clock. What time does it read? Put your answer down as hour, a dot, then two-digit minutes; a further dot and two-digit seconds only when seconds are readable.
11.12.40
